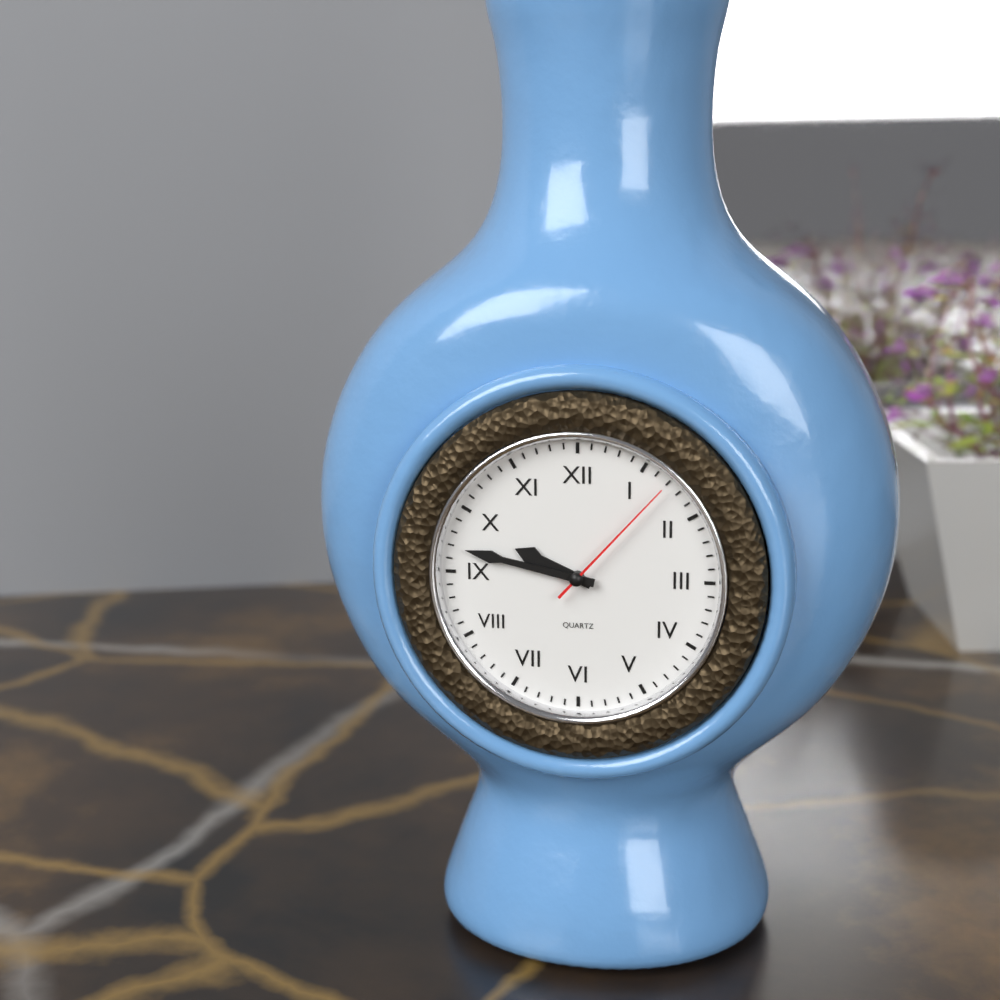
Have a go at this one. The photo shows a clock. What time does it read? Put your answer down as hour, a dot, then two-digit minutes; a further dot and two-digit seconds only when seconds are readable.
9.47.07
